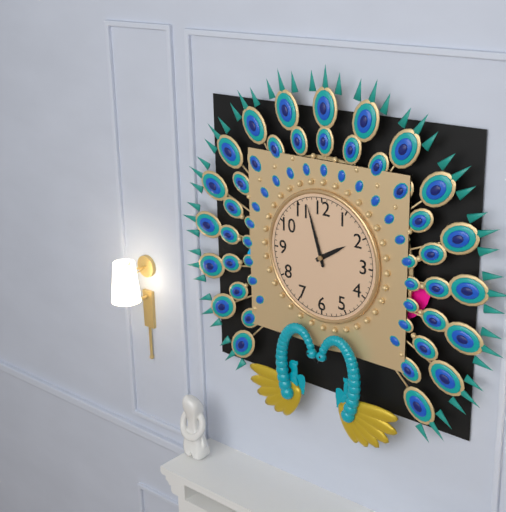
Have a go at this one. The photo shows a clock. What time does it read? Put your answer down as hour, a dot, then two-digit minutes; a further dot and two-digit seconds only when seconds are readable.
1.57
